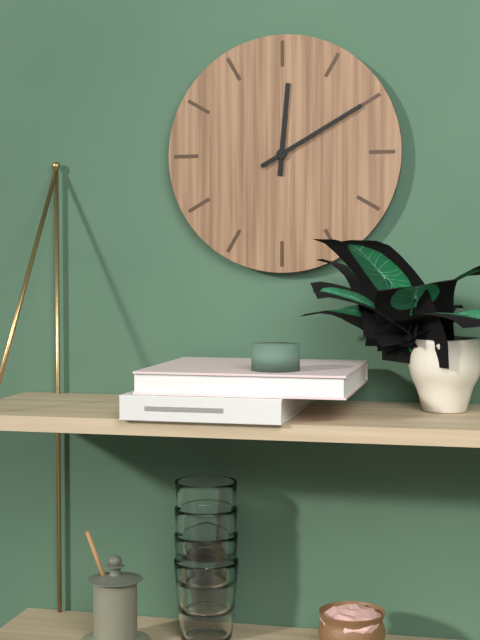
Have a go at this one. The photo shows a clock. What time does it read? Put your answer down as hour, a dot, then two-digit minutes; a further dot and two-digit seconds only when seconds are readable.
12.10
